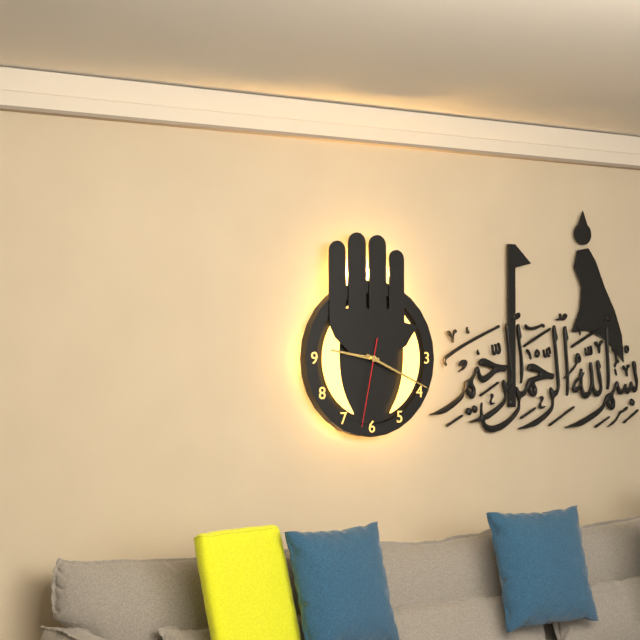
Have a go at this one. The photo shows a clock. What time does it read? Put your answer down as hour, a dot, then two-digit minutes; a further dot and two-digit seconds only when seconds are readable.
9.19.32
